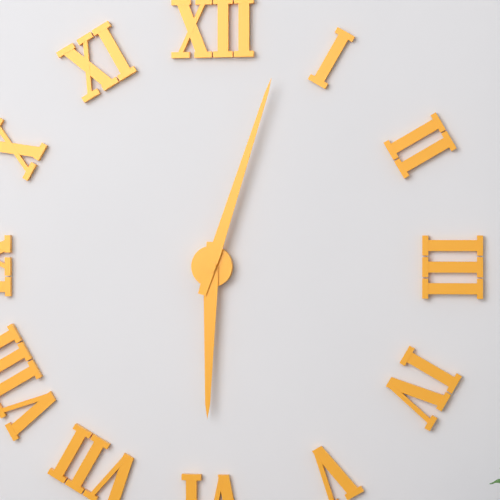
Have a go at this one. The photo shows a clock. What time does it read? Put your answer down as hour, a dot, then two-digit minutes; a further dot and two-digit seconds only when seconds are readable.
6.03
